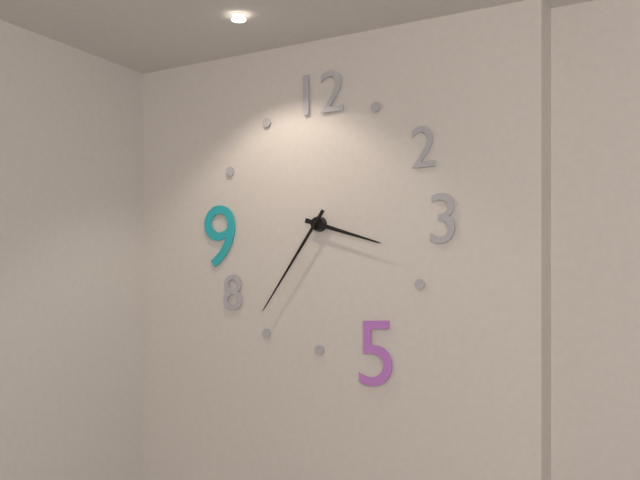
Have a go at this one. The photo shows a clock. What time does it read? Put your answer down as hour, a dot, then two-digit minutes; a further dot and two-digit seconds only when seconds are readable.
3.36
